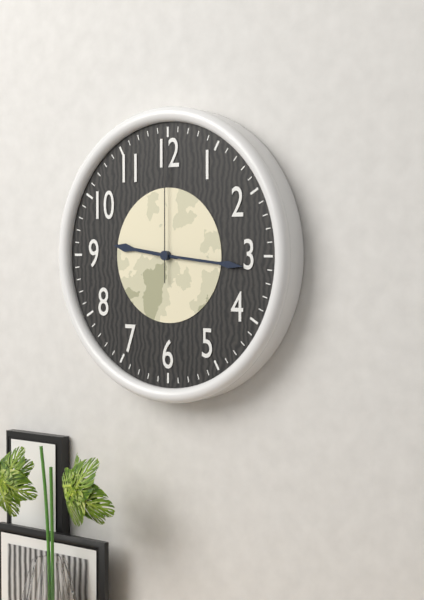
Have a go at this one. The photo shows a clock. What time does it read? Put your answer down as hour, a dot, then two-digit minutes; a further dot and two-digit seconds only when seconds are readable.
9.16.00
